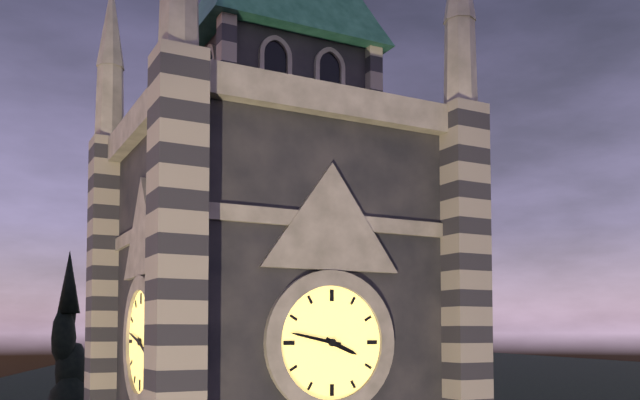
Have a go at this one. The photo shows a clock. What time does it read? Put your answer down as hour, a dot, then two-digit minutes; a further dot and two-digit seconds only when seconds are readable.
3.47
